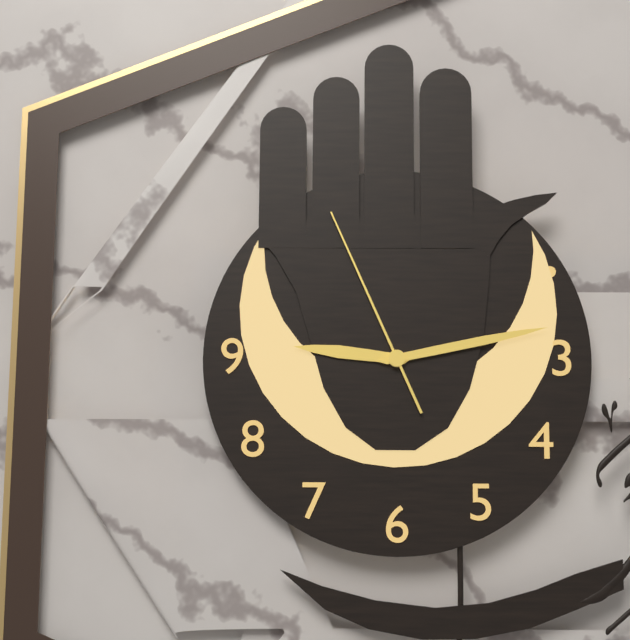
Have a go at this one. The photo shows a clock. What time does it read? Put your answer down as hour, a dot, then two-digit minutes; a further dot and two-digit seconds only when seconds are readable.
9.13.56
